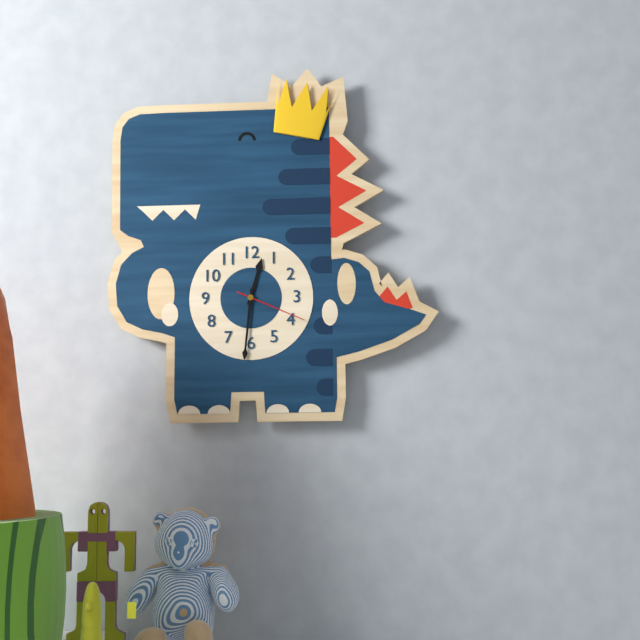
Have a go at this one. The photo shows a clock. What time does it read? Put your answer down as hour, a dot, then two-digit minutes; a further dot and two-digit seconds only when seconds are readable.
12.31.19
